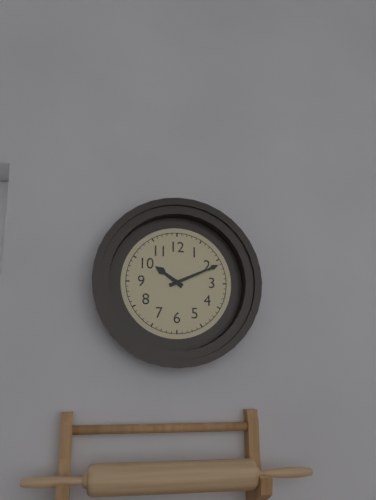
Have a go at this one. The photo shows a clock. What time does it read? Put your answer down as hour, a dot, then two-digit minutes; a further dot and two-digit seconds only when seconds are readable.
10.11
